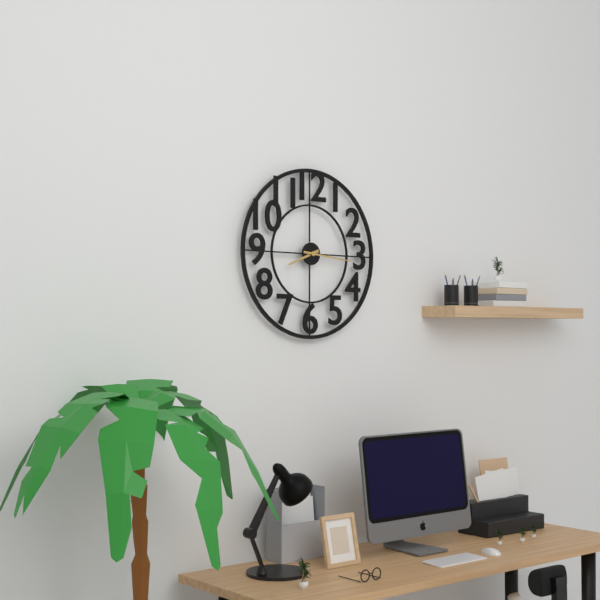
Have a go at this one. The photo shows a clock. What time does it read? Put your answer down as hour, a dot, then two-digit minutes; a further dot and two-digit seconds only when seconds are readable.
8.16
